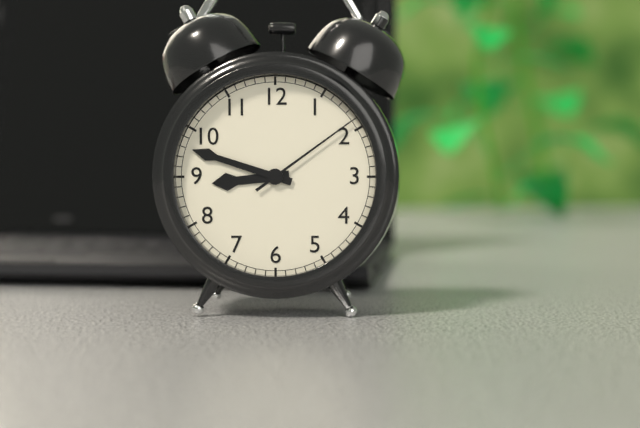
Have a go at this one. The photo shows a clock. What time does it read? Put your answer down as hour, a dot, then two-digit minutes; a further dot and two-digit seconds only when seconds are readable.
8.48.09
